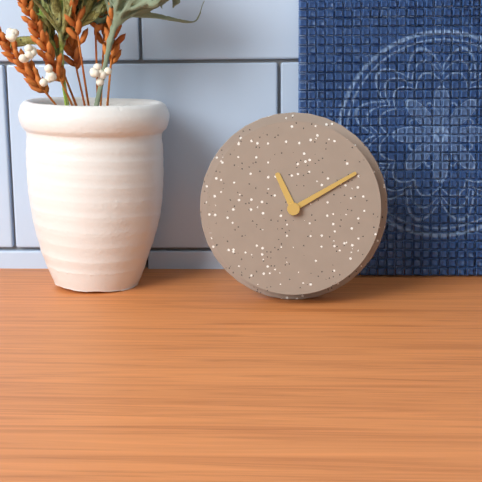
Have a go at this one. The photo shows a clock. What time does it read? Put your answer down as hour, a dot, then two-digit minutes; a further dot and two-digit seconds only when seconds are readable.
11.10
